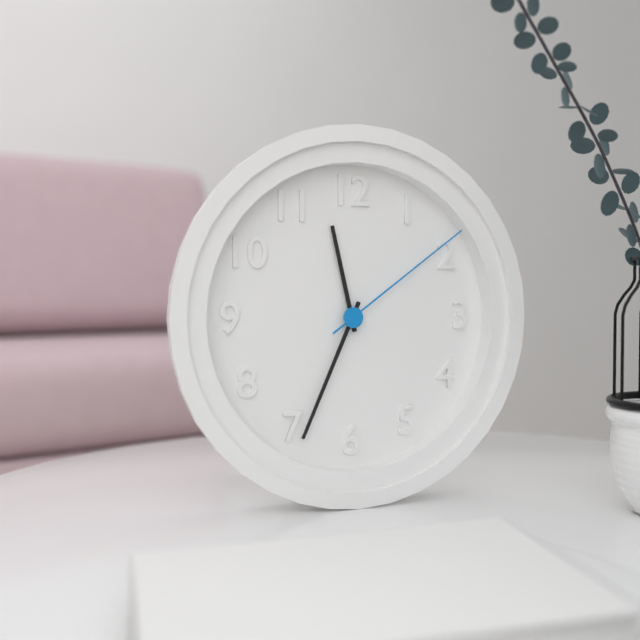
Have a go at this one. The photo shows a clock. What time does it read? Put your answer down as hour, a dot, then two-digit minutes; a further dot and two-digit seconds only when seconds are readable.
11.34.09
